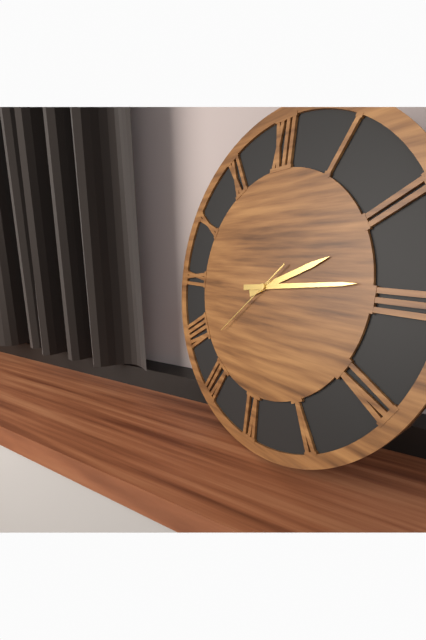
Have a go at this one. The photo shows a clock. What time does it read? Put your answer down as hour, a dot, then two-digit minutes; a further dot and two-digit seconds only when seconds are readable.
2.14.38
